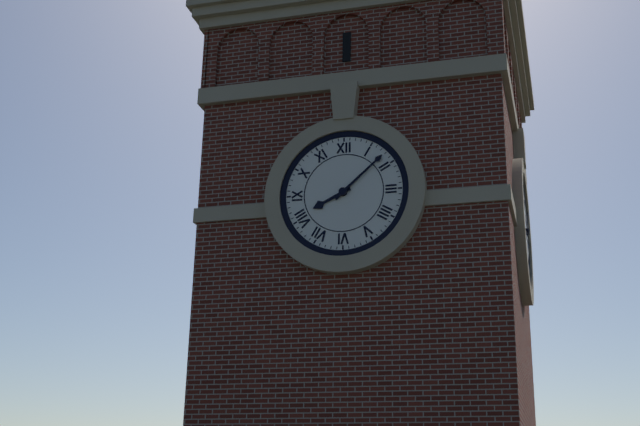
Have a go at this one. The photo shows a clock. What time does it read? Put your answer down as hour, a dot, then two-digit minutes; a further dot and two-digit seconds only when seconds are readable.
8.08
